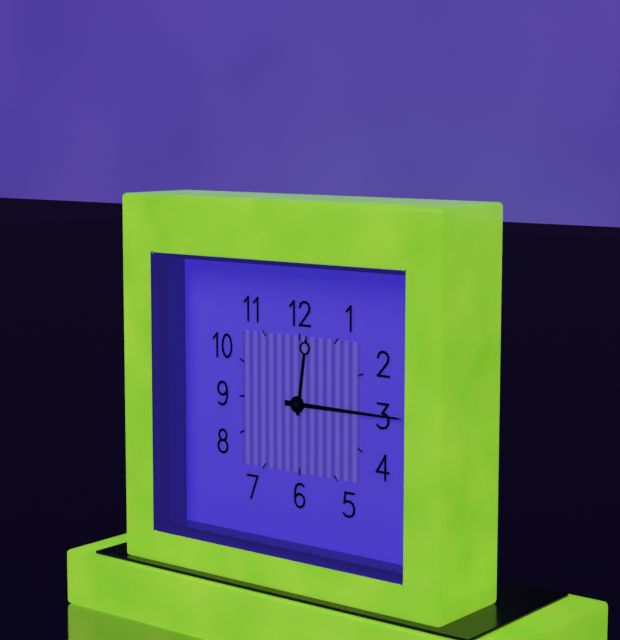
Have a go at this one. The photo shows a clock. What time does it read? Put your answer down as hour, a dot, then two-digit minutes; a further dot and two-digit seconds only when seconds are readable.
12.15
